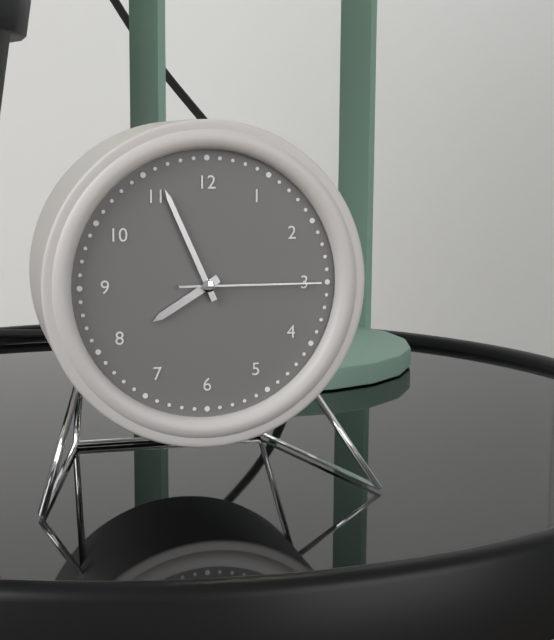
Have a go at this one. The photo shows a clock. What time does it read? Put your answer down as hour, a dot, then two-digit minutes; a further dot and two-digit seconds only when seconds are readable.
7.56.15
